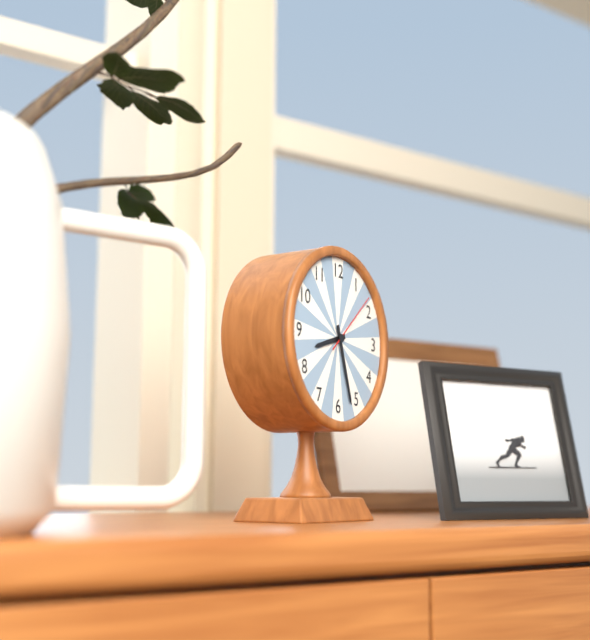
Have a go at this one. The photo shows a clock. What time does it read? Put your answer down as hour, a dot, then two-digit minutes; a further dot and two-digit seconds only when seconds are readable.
8.27.08
